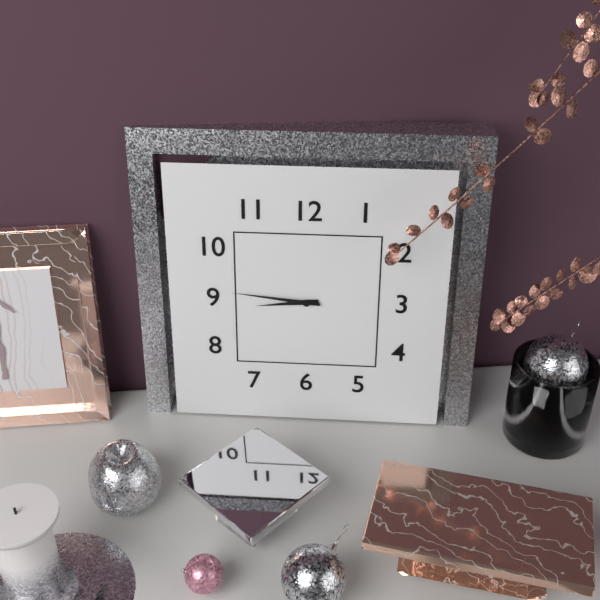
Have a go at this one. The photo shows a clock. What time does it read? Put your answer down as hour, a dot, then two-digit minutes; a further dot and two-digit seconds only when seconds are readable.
8.46
